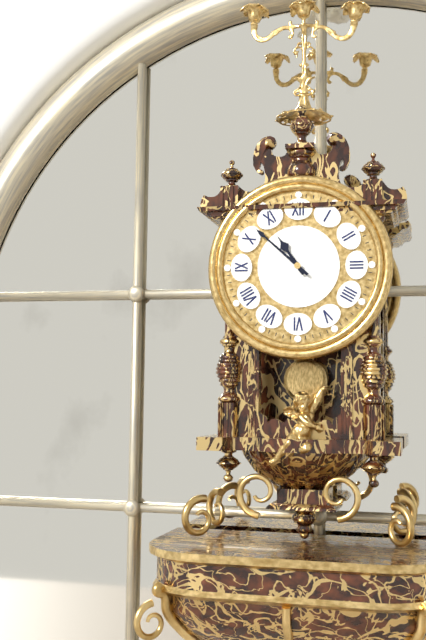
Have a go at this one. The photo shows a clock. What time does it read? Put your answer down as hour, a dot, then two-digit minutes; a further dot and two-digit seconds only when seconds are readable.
10.52
